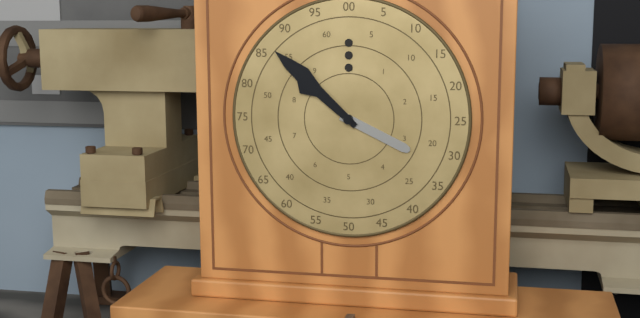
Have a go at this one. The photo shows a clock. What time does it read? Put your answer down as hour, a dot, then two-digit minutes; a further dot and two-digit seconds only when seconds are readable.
3.52
